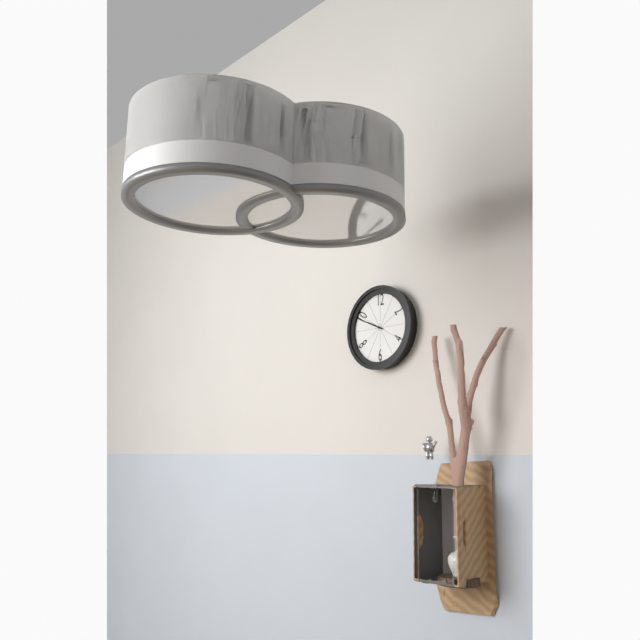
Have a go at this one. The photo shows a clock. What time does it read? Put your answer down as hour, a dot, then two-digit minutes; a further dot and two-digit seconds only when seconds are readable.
9.49
